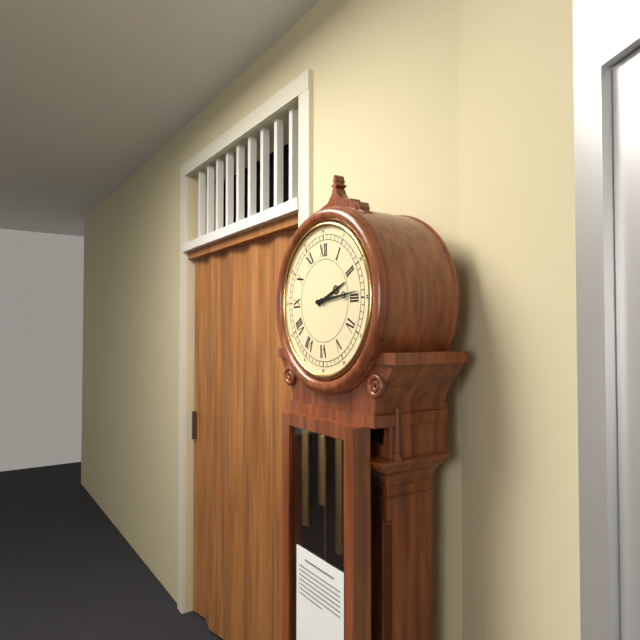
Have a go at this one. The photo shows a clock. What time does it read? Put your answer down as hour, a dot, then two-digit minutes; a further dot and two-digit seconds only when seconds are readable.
2.14
